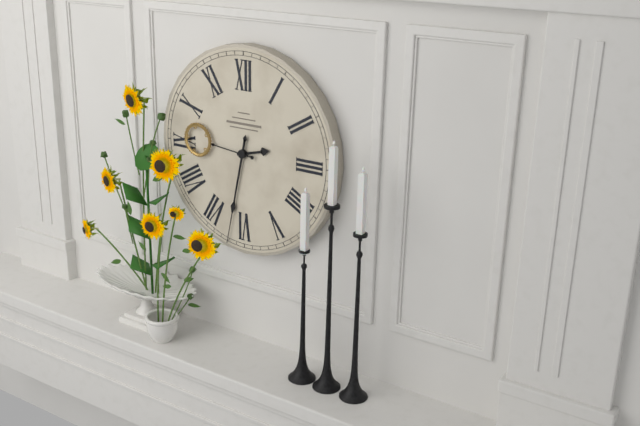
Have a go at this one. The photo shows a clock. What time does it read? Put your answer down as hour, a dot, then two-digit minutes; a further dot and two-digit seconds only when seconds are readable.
2.32.46
